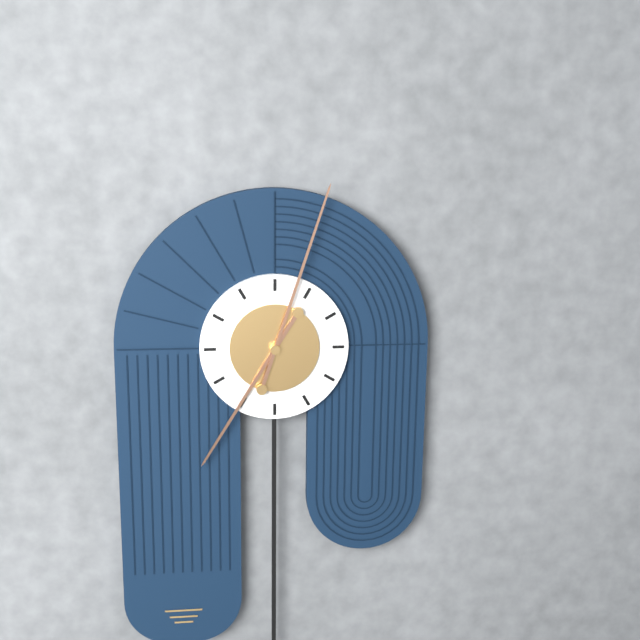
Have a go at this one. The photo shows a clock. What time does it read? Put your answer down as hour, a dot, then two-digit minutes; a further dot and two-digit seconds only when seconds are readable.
7.03
